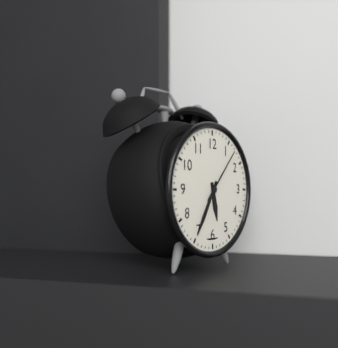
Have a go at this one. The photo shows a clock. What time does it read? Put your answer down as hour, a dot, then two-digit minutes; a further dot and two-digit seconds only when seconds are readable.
5.35.07
